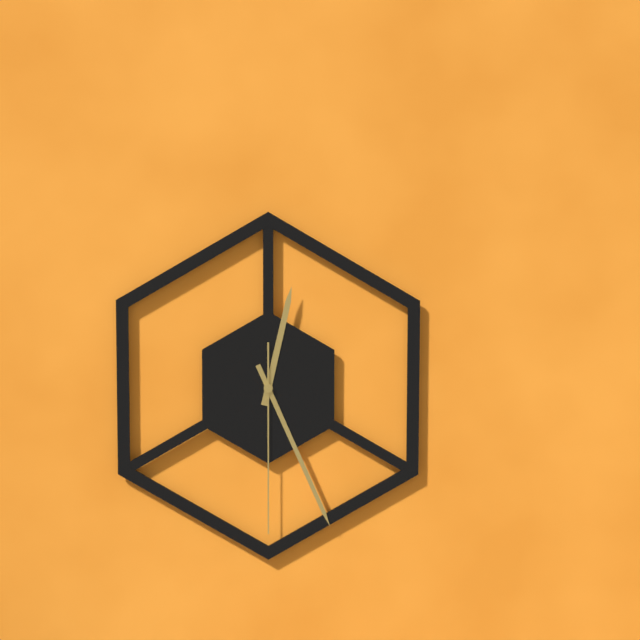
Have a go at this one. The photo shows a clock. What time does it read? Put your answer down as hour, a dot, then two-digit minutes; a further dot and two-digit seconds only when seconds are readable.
12.26.30
